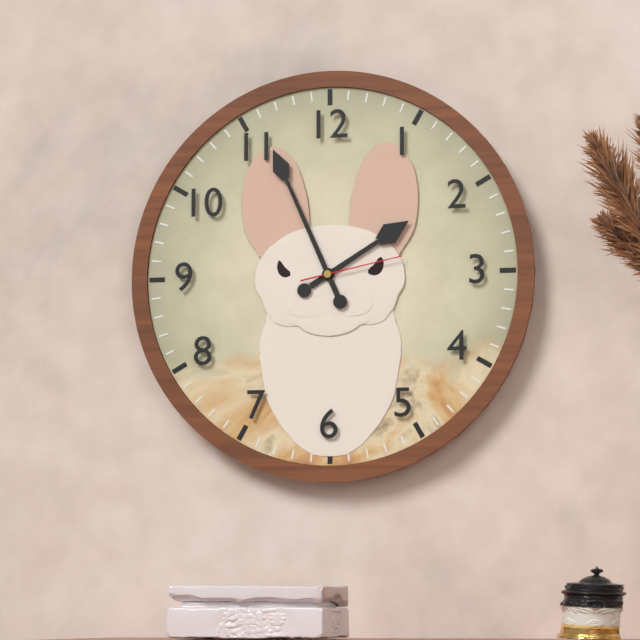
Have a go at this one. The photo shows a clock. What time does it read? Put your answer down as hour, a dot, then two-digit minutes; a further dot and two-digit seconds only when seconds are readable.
1.56.13
